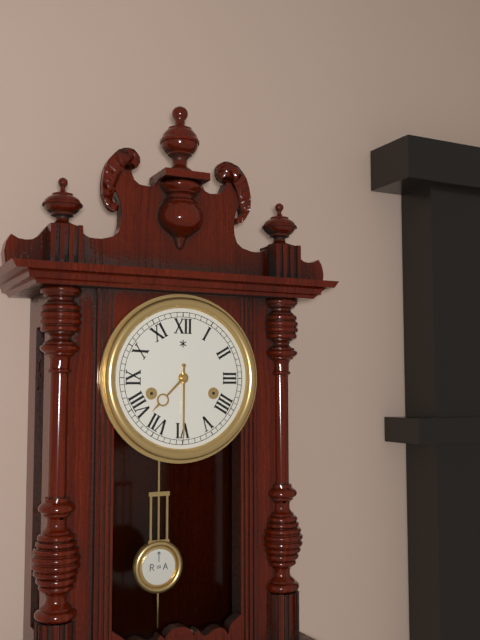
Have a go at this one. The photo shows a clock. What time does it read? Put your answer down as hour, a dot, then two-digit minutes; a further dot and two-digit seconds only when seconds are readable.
7.30
